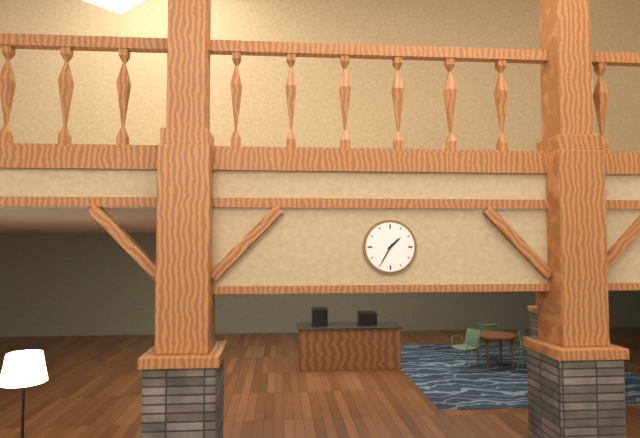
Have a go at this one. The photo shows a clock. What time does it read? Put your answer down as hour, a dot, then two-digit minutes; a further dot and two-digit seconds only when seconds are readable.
1.35
